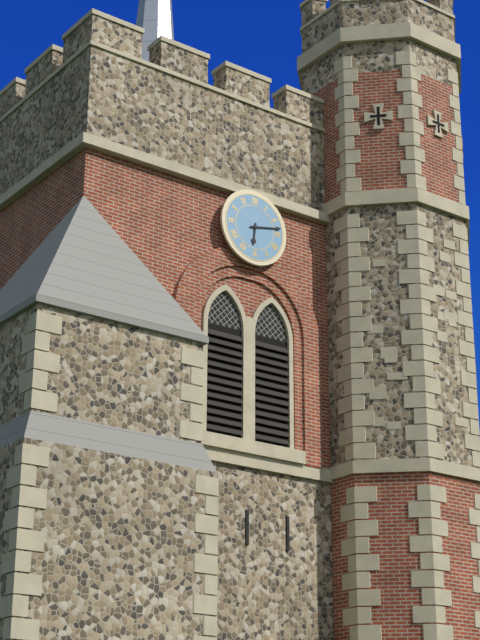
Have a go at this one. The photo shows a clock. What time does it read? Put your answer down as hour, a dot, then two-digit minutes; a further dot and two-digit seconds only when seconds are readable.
6.13
